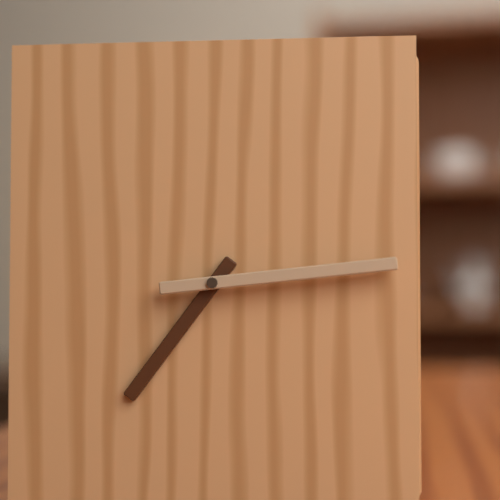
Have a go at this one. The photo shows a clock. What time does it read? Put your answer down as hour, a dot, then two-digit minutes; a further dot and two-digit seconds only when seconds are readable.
7.14
